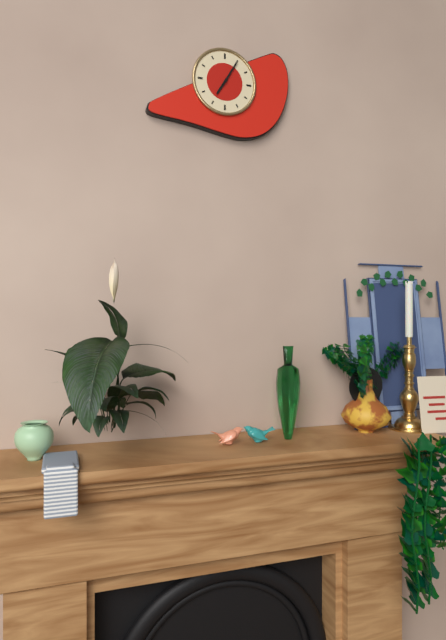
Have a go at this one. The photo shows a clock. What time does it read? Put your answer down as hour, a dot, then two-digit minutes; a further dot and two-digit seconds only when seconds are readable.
7.05
